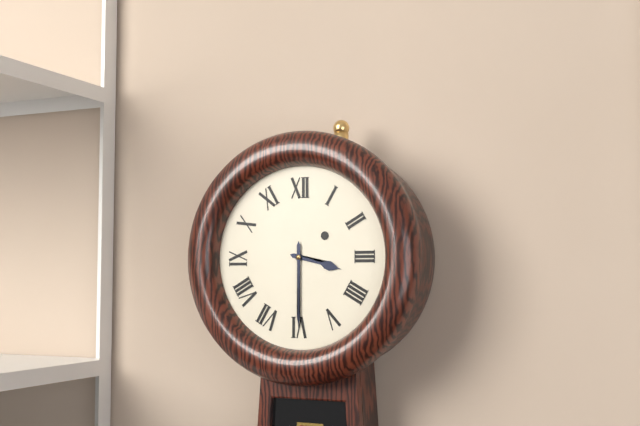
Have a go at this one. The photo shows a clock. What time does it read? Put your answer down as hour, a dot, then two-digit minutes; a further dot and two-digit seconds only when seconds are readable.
3.30
